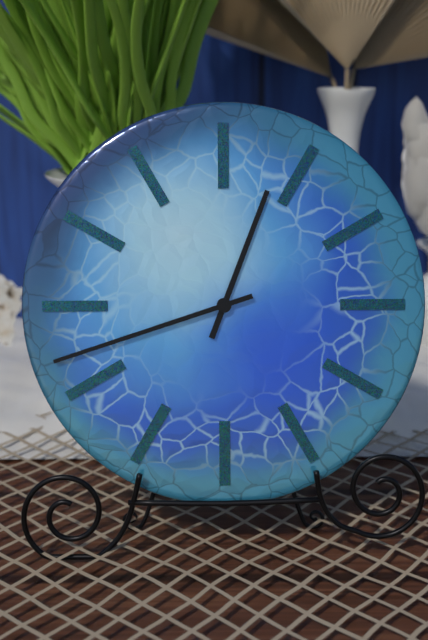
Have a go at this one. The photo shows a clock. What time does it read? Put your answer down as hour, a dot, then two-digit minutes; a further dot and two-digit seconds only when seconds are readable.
12.42
